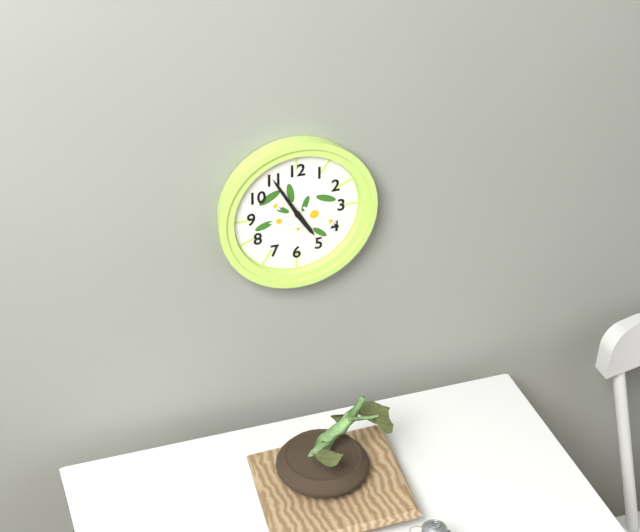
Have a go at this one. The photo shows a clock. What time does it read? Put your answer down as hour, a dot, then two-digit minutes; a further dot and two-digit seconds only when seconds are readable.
4.55
